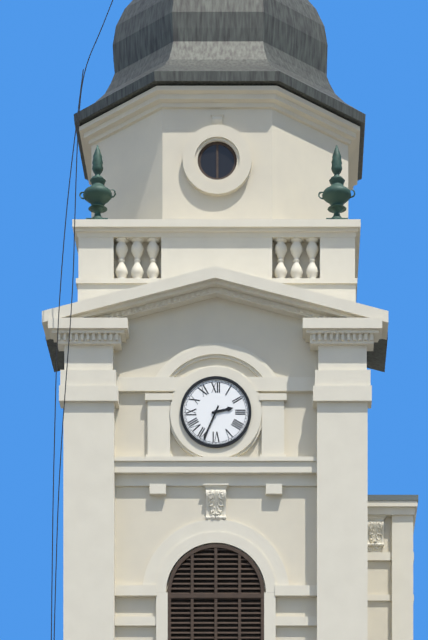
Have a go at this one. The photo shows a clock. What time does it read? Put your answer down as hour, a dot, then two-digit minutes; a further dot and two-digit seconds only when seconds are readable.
2.34
